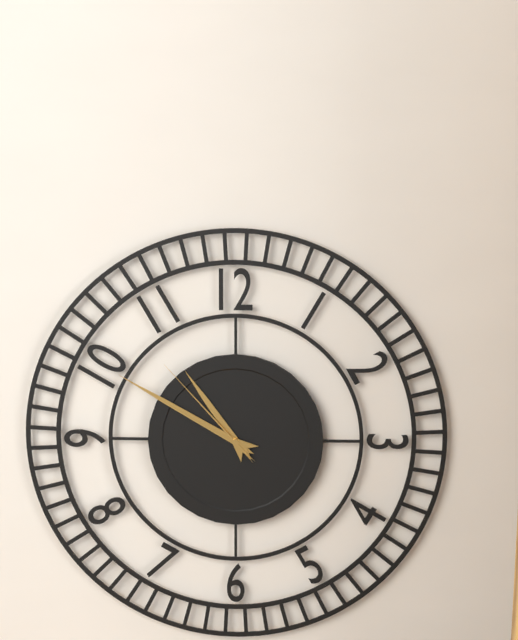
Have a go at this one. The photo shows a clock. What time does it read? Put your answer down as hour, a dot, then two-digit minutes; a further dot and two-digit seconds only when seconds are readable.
10.50.53
